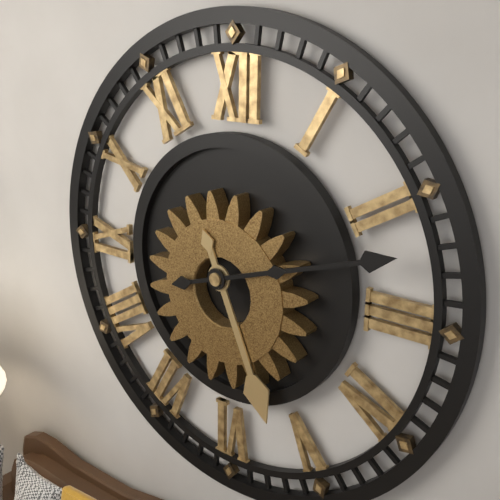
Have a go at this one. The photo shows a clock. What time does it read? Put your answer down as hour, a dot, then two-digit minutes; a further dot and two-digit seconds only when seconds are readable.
5.12
